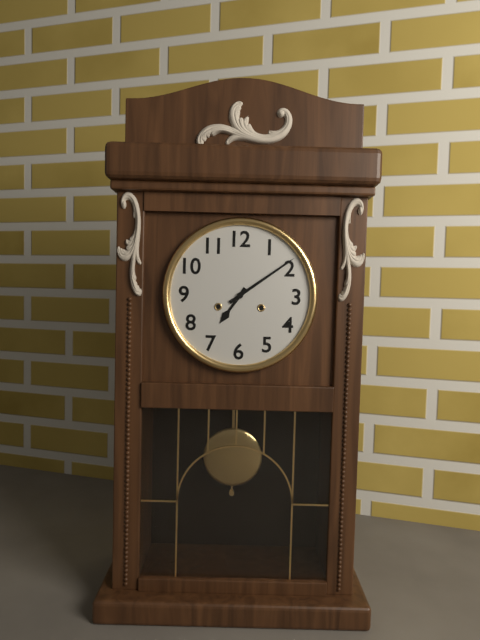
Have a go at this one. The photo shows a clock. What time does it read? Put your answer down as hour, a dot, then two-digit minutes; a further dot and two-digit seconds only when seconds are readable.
7.09
